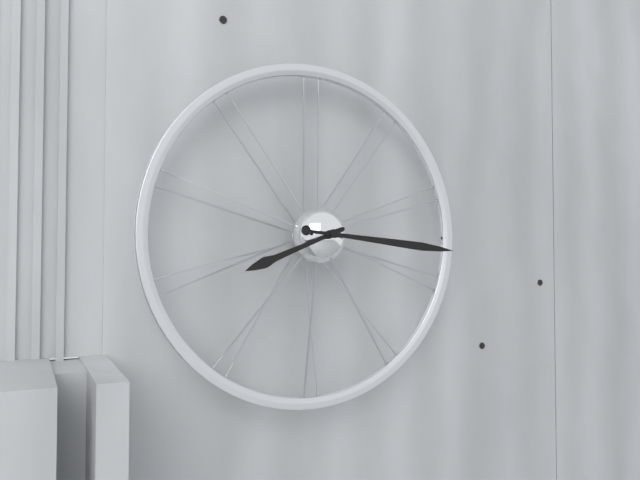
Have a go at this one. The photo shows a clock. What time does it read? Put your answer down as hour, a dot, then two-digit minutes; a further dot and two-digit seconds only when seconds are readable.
8.16
